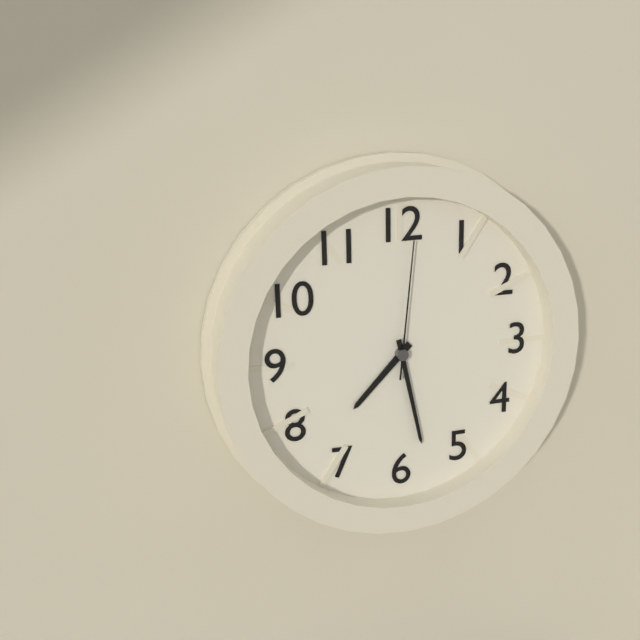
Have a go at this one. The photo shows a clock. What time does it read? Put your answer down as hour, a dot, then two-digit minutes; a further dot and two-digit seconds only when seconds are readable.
7.28.01
